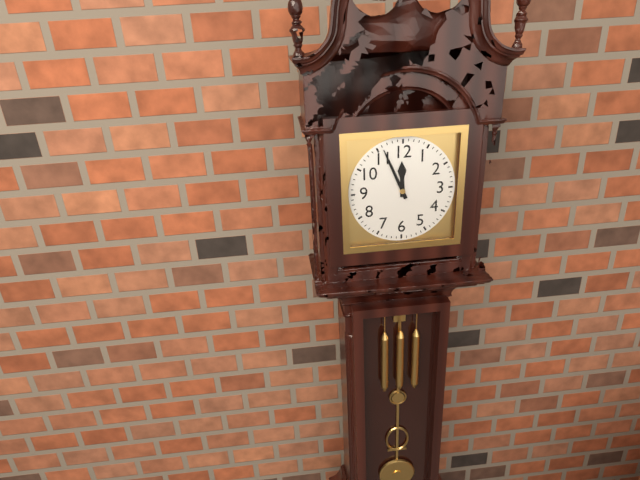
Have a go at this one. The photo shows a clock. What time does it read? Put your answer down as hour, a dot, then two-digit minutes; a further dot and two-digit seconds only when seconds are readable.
11.56
